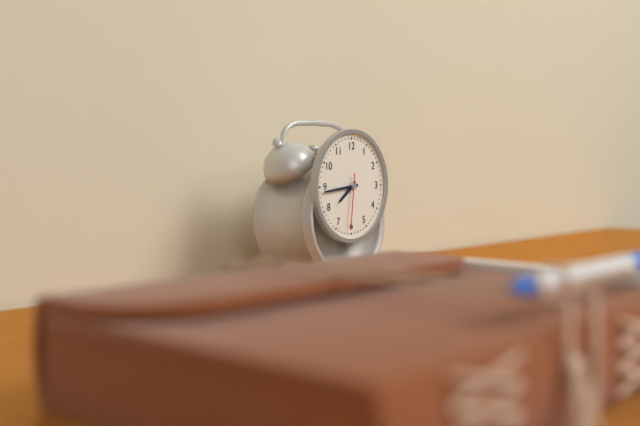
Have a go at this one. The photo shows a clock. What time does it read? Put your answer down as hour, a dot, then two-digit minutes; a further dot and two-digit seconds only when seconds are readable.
7.44.31
